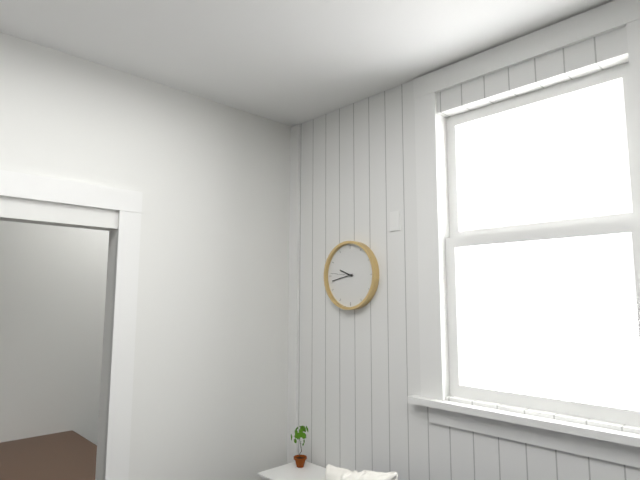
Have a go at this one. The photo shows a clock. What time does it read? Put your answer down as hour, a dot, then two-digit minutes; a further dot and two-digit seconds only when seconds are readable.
9.43
